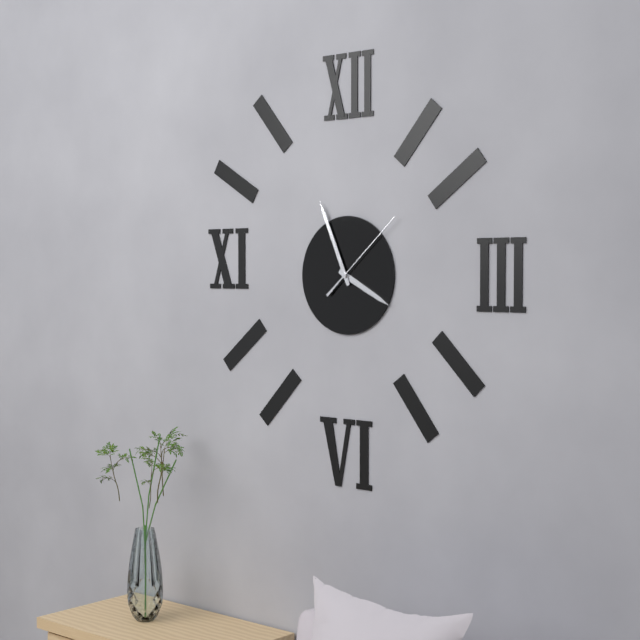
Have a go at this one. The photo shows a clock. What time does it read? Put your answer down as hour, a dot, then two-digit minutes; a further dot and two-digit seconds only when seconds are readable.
3.56.08
